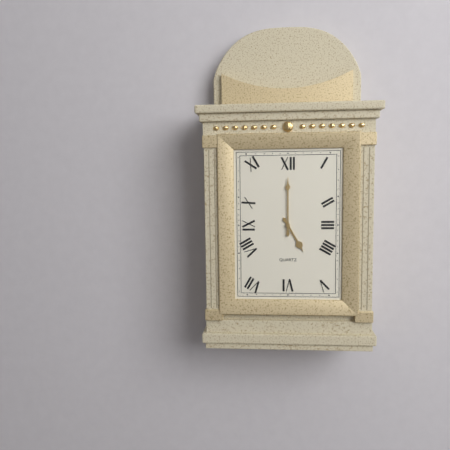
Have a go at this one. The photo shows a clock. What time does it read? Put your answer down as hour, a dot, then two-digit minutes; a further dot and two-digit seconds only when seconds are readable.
5.00
